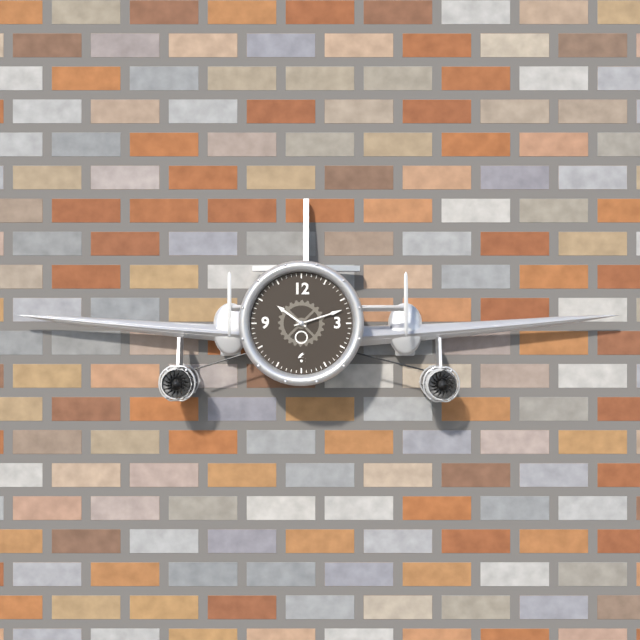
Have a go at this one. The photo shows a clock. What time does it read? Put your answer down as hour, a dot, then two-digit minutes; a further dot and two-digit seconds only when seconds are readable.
10.12
